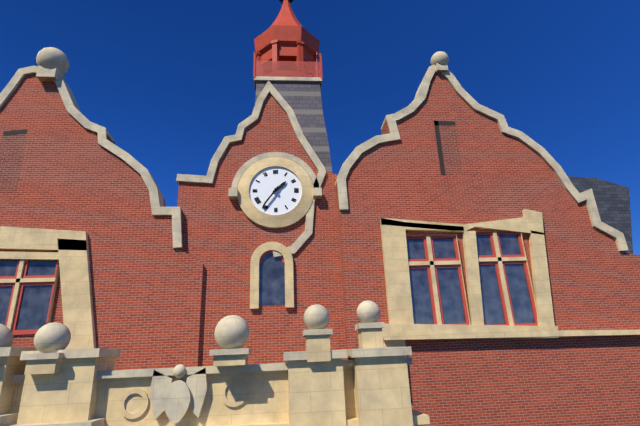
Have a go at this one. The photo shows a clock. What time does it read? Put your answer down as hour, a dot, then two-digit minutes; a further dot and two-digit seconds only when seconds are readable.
1.36
